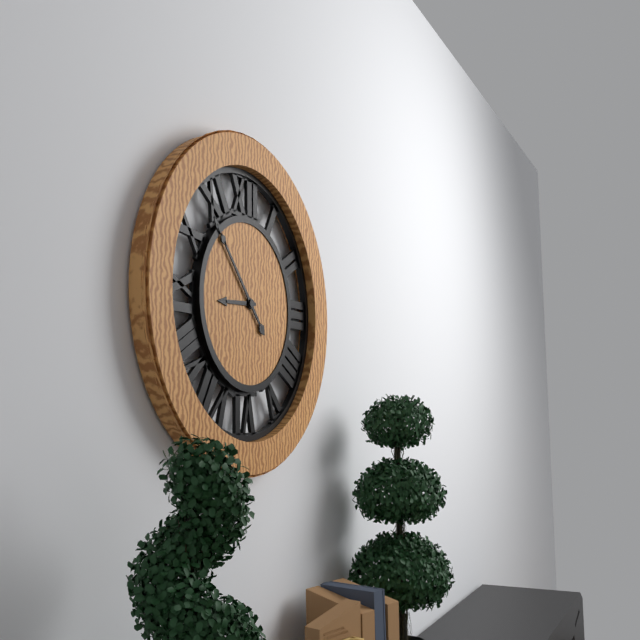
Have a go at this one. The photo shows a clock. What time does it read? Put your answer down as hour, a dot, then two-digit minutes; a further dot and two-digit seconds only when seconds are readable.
8.53
